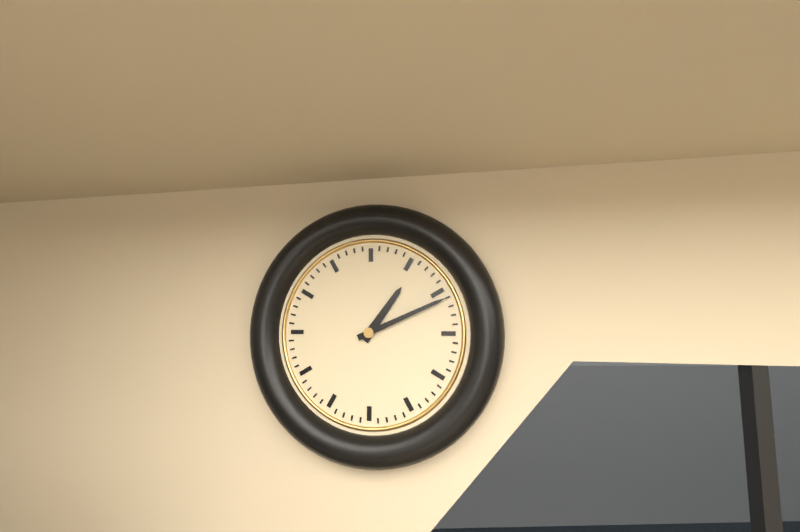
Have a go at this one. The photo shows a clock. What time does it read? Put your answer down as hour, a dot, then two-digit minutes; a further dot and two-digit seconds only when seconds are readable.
1.11
